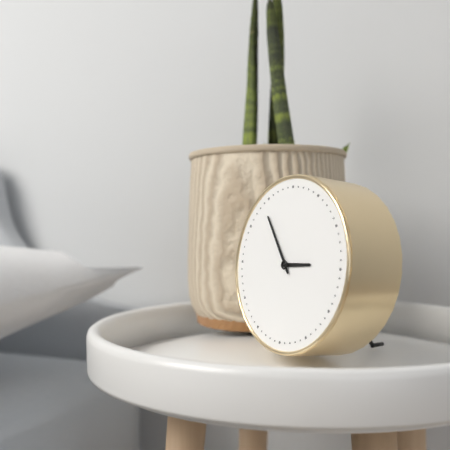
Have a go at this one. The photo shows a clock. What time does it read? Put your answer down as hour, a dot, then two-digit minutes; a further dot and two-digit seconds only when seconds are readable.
2.54
